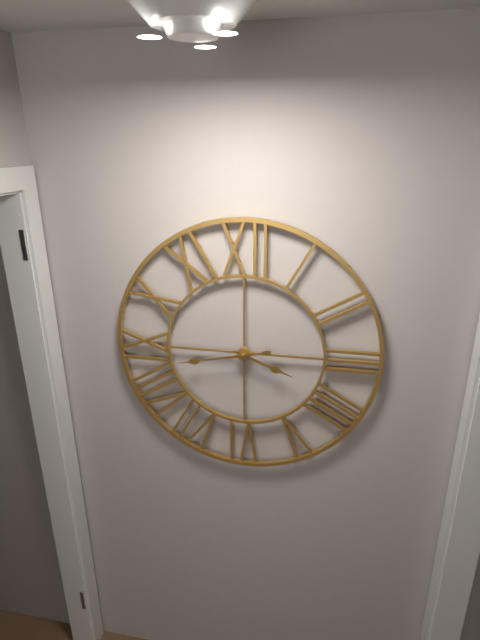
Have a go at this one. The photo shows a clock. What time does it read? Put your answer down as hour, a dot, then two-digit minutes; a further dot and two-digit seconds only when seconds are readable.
3.43
